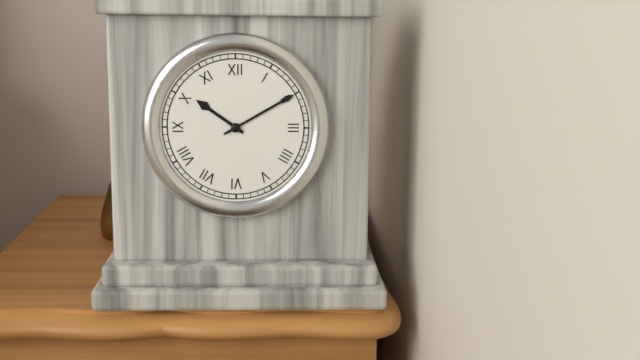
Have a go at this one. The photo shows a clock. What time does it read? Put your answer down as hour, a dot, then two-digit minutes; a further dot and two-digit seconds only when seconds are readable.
10.10
